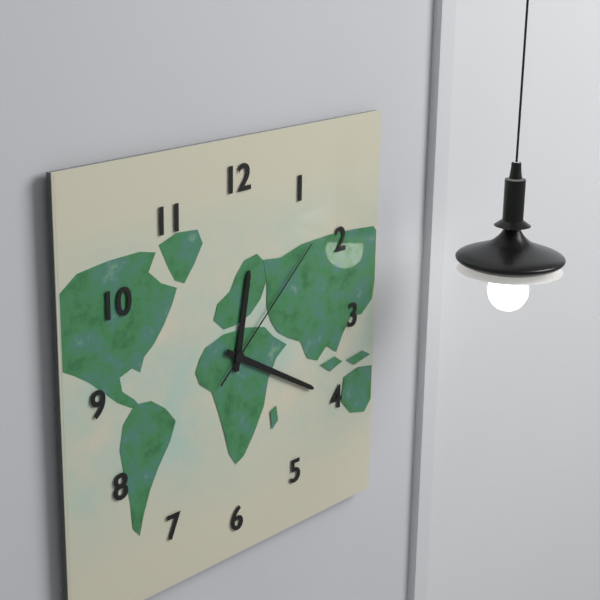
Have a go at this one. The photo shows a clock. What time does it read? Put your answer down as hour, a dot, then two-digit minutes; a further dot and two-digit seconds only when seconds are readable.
12.20.08
